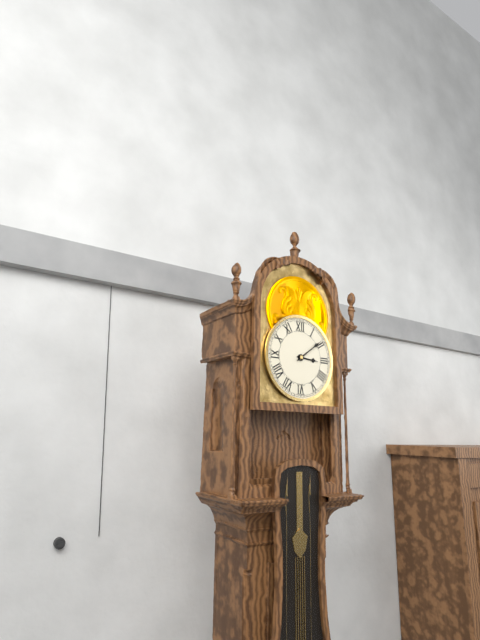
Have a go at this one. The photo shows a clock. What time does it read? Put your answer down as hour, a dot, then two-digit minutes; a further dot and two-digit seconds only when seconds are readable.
3.09
